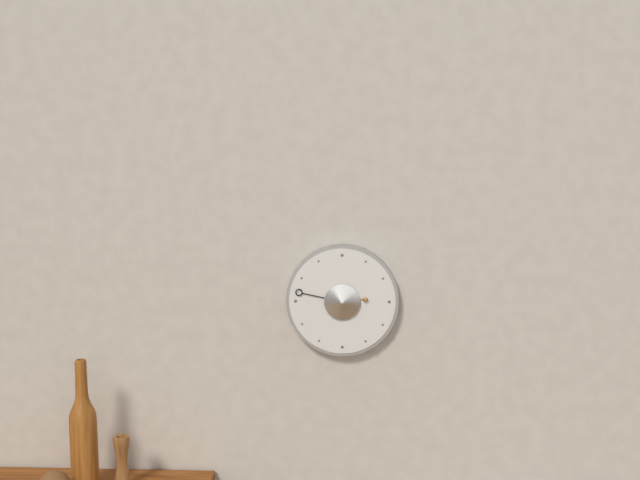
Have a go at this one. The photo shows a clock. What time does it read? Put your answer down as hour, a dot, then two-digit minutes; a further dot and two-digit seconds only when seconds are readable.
2.47
